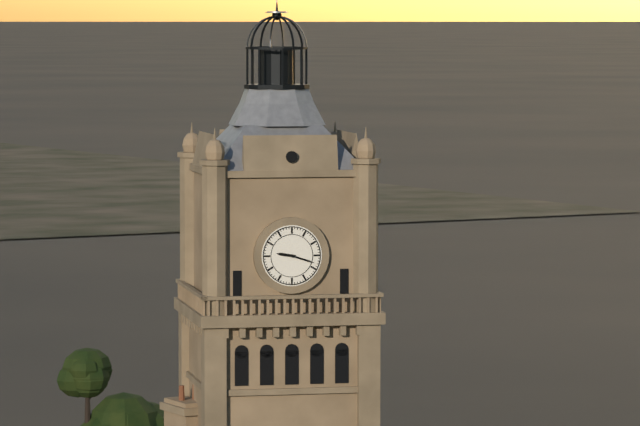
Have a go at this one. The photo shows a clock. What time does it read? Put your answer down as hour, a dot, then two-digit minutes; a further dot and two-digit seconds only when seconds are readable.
9.18
